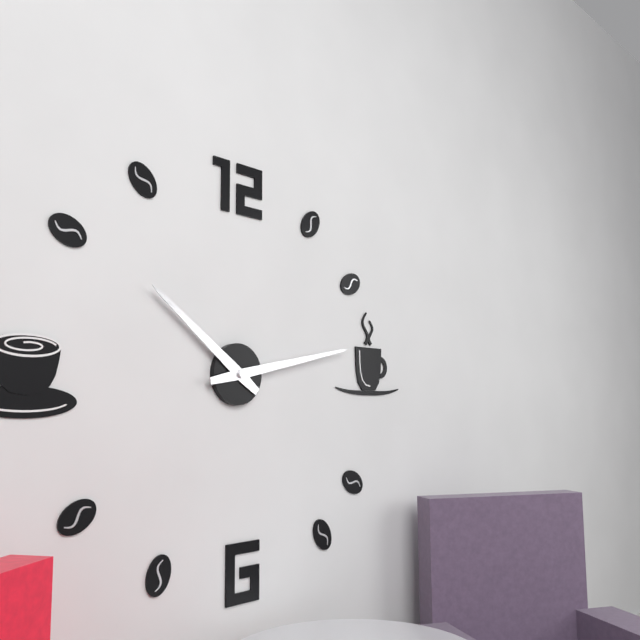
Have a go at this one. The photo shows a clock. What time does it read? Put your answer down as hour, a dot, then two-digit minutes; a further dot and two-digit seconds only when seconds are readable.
10.13
